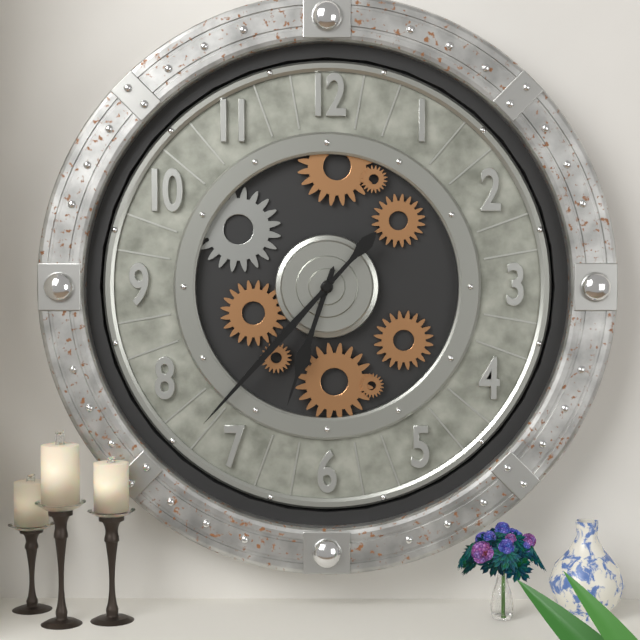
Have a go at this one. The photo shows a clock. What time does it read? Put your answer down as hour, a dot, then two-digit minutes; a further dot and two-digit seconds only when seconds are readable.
6.37
